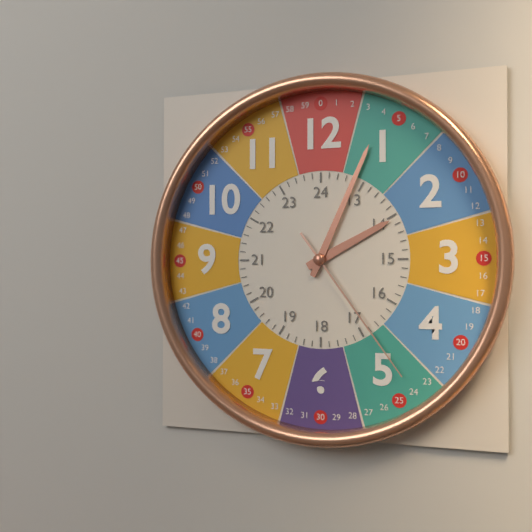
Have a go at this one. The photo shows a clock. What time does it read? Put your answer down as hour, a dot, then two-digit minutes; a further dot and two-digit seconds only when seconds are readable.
2.04.24
